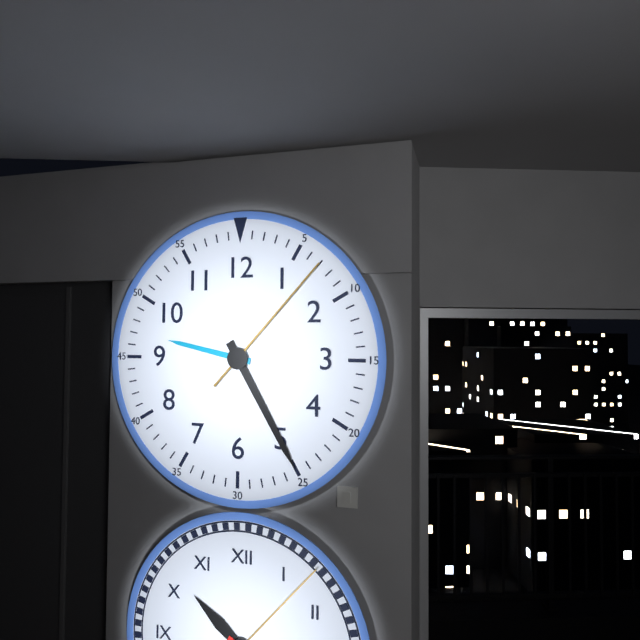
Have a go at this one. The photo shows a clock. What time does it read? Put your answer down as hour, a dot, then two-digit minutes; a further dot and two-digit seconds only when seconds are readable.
9.25.07
